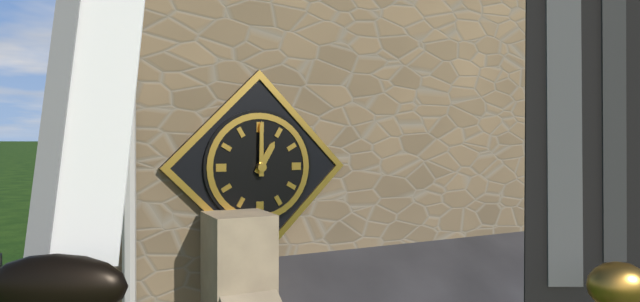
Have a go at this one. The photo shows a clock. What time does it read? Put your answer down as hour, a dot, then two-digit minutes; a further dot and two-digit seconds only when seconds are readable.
1.00
